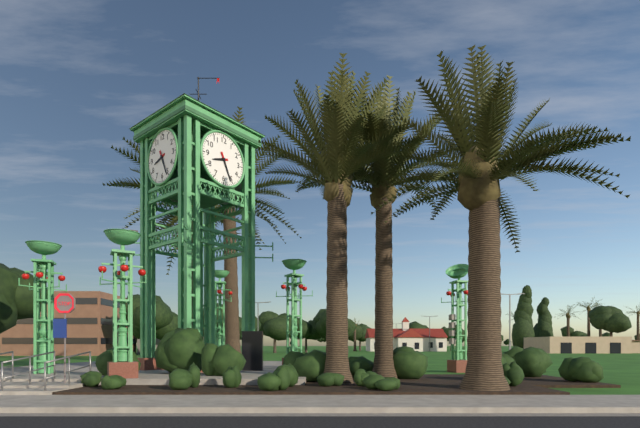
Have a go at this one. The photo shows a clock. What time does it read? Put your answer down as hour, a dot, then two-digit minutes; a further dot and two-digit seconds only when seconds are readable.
8.26
